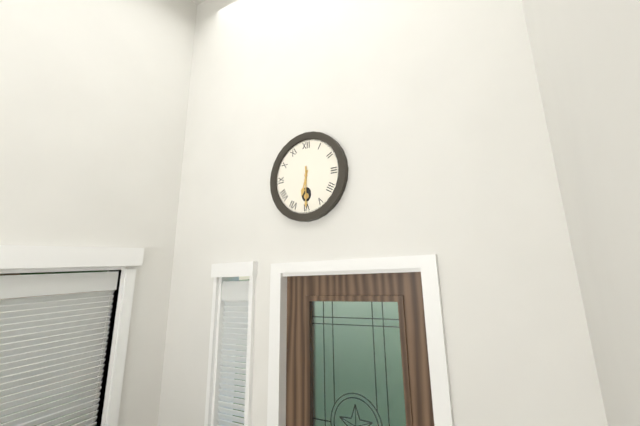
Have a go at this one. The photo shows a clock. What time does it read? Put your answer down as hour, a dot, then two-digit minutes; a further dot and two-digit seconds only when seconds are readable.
6.30
